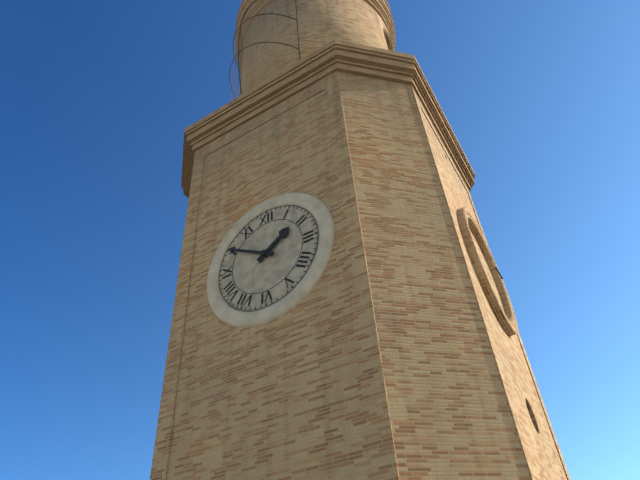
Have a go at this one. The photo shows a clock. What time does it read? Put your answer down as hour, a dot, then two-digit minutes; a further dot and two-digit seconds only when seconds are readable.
1.50
